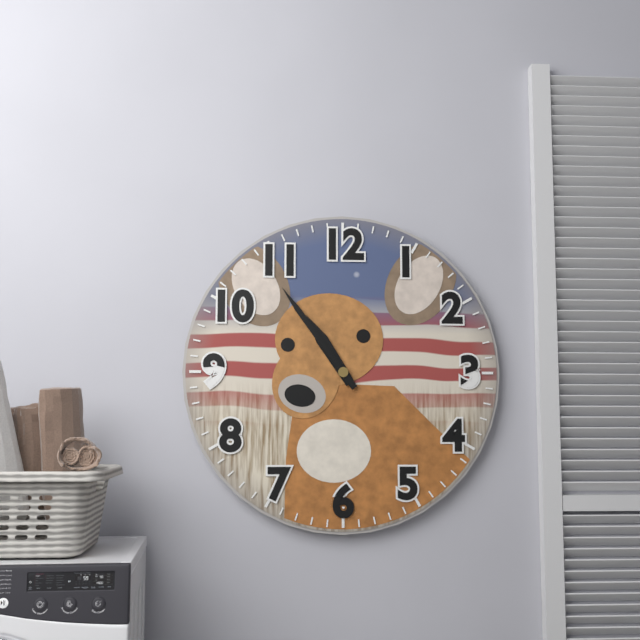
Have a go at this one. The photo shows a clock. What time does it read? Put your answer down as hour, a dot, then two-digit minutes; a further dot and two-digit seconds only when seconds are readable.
10.54
